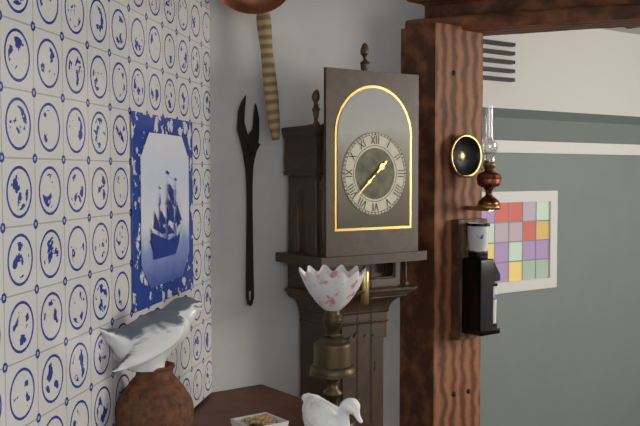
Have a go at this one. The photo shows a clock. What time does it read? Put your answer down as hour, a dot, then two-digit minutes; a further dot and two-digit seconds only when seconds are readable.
1.38
